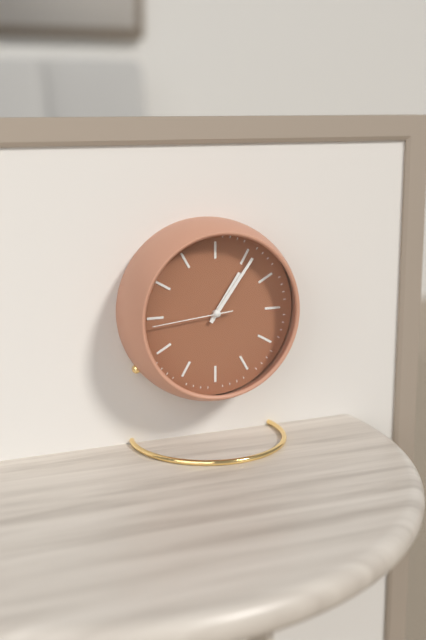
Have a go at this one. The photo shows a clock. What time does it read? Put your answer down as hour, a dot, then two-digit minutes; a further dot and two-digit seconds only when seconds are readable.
1.06.44
